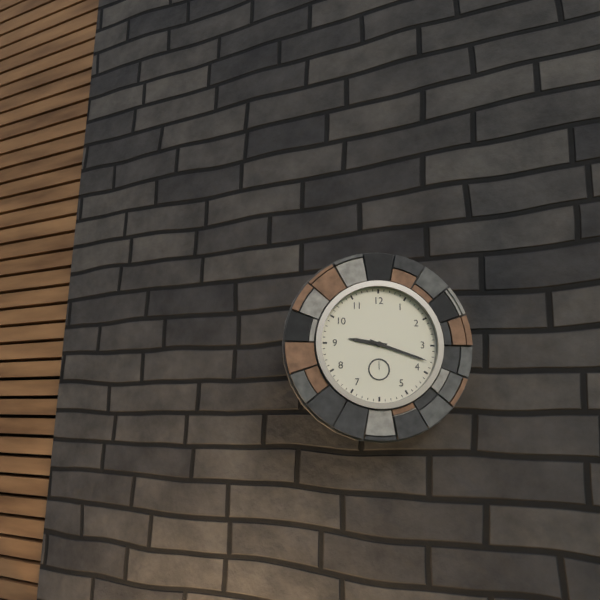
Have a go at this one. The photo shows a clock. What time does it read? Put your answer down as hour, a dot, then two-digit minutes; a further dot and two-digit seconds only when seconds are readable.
9.18
